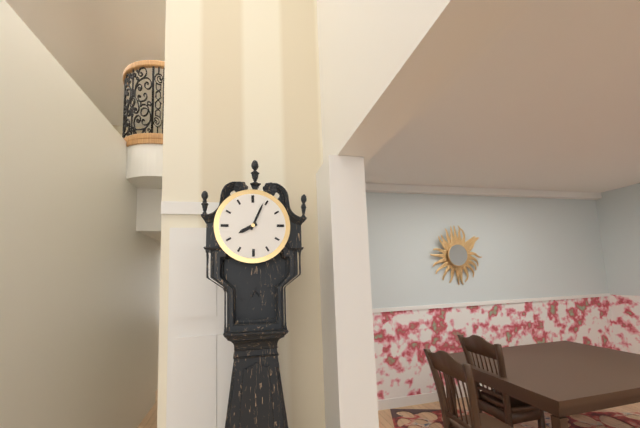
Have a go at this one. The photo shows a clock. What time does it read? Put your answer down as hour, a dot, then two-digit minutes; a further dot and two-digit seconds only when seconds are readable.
8.04
